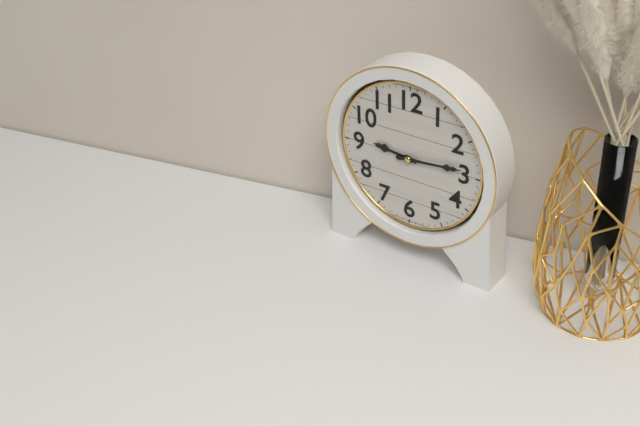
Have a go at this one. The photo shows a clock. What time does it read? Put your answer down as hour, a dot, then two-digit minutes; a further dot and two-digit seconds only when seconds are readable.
9.14
